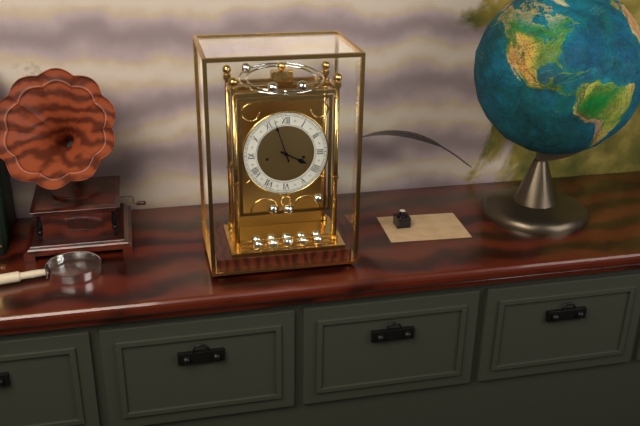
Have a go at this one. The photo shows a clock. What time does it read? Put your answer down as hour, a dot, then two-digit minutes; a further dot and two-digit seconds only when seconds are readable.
3.57
